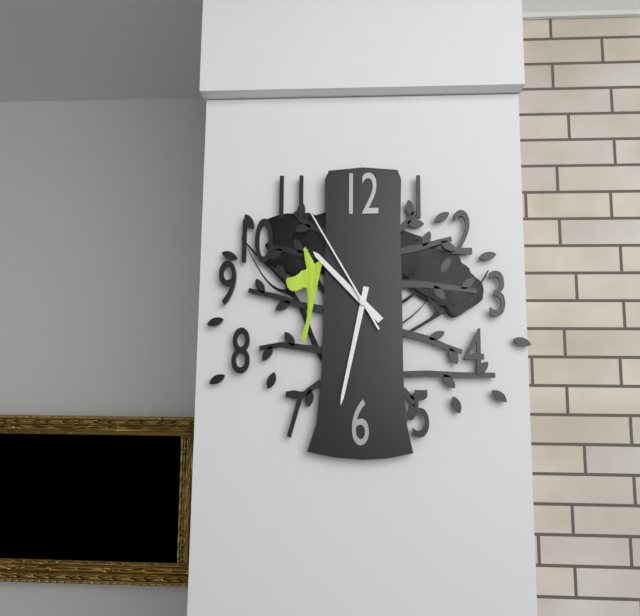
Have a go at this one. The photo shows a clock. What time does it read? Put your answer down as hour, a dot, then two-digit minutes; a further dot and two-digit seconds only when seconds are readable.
10.32.55
